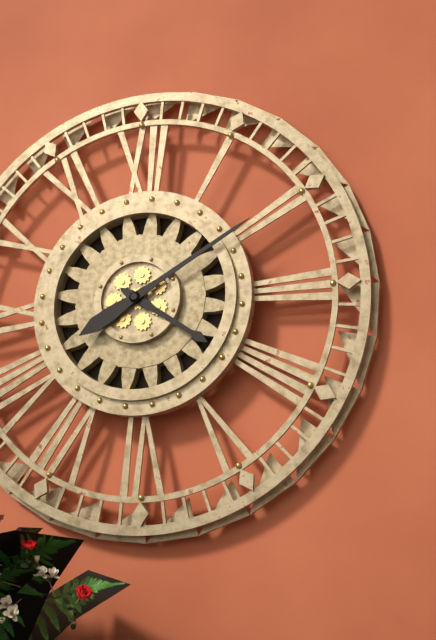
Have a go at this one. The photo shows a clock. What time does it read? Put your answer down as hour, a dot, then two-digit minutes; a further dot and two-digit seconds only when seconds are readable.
4.10
